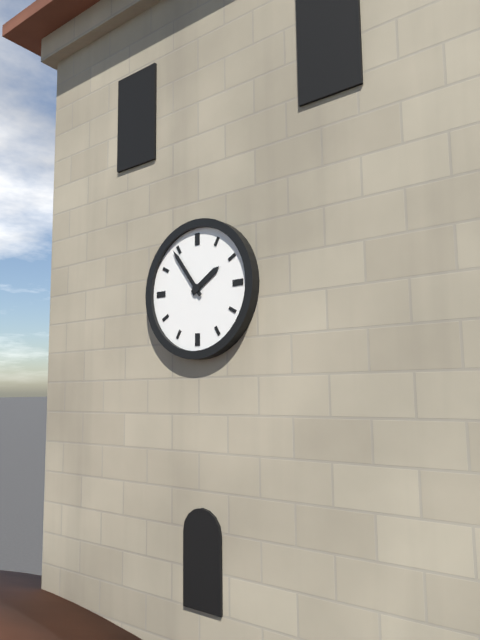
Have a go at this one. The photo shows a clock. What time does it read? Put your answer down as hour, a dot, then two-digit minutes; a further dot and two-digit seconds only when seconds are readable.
1.54
